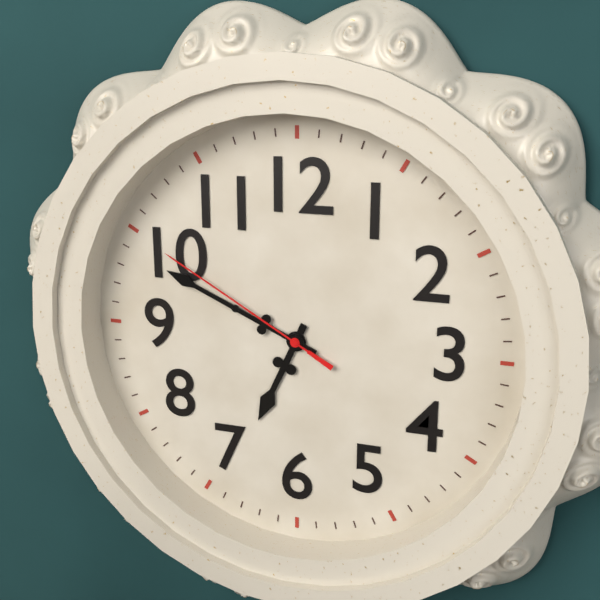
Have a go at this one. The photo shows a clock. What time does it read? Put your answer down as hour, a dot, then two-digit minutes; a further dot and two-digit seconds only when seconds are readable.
6.49.50
